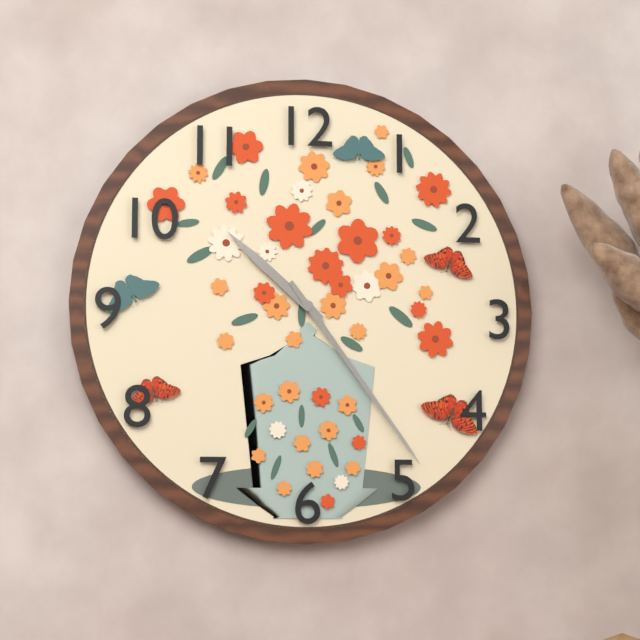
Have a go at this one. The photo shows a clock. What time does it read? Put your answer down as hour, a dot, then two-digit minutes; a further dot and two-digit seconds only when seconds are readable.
10.24
